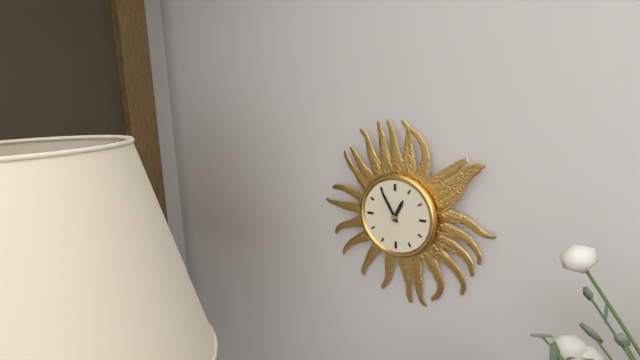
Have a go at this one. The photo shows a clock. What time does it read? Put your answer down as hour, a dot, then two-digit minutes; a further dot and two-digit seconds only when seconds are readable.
12.55
